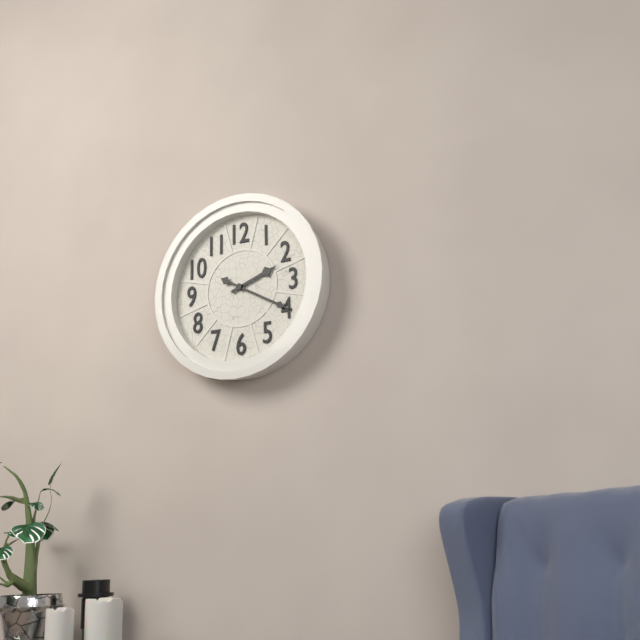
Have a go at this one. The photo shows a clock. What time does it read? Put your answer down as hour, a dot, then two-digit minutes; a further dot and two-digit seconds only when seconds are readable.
2.20
